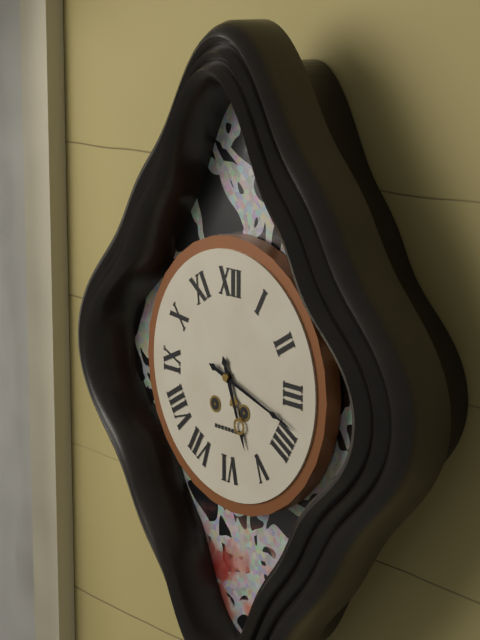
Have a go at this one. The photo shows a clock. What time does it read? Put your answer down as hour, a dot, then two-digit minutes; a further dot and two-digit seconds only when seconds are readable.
5.18
